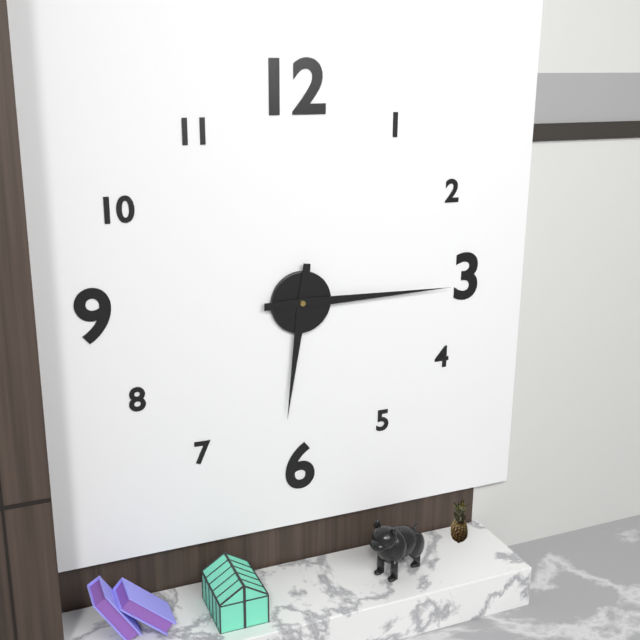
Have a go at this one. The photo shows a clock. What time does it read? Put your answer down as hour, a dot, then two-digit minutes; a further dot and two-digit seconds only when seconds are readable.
6.15
